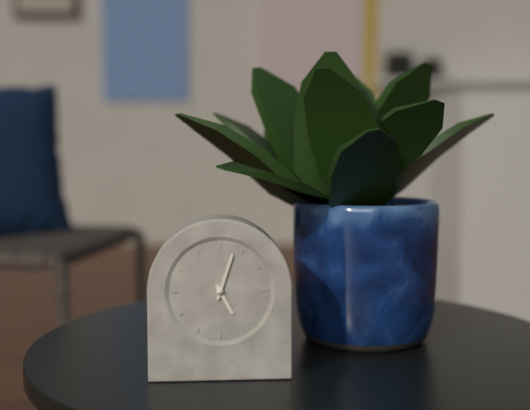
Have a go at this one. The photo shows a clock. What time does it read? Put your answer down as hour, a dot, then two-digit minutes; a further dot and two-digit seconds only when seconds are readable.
5.03
